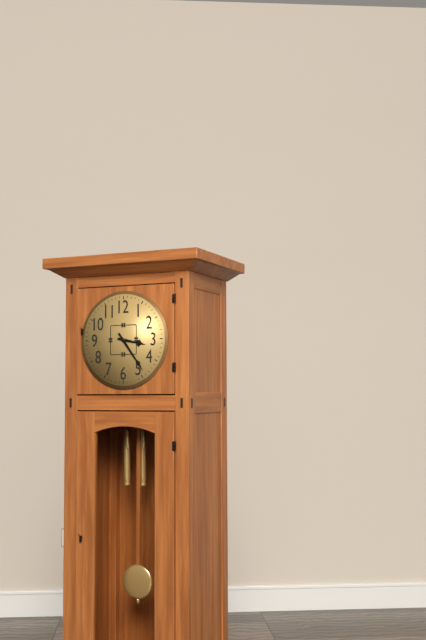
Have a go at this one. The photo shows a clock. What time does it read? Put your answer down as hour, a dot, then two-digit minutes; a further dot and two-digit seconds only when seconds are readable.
3.24
